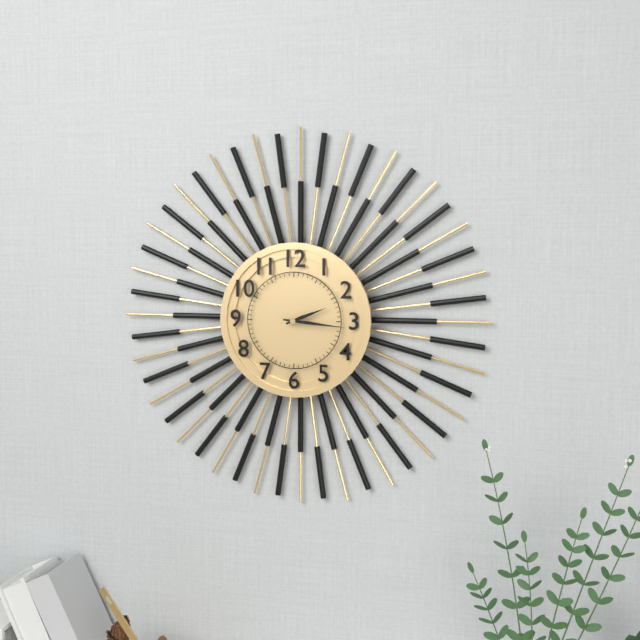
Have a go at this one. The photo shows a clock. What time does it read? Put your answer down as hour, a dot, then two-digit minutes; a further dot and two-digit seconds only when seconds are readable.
2.16
